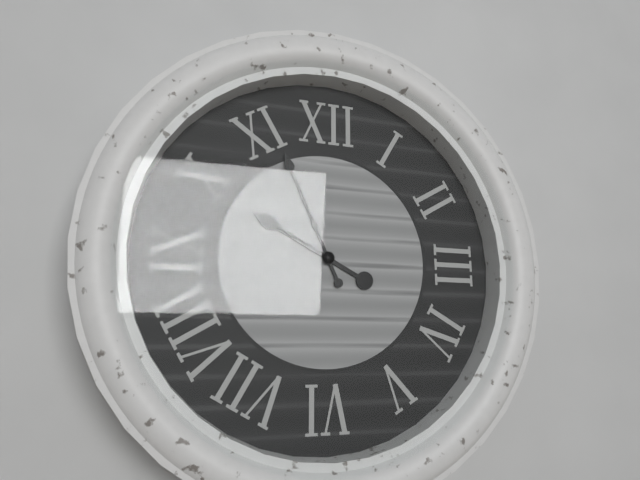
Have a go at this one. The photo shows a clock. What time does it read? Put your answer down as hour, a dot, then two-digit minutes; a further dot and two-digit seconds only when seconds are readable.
9.56
